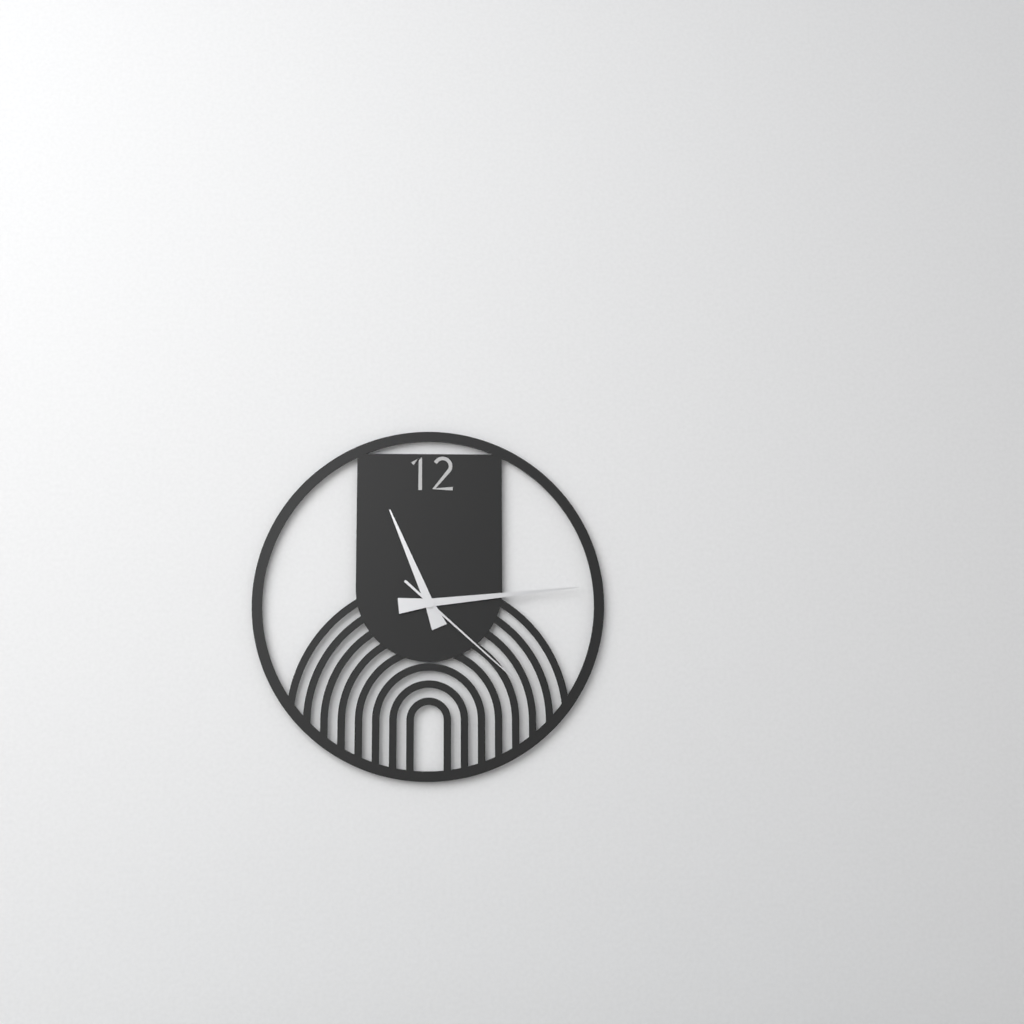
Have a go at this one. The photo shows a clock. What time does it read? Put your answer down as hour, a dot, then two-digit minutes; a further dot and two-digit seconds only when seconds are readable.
11.14.22
